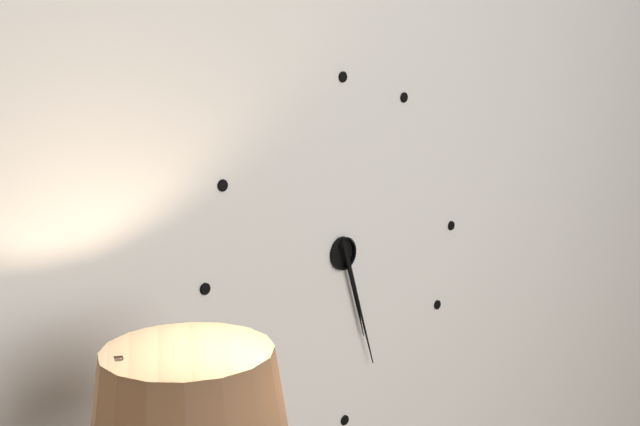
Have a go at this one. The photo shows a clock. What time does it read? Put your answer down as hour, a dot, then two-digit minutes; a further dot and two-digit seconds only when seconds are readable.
5.27
